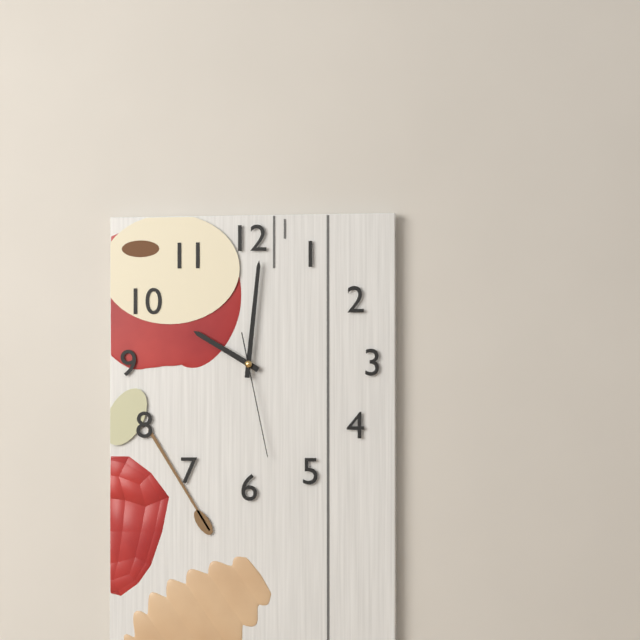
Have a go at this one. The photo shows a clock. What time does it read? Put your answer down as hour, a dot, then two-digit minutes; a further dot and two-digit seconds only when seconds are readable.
10.01.28
